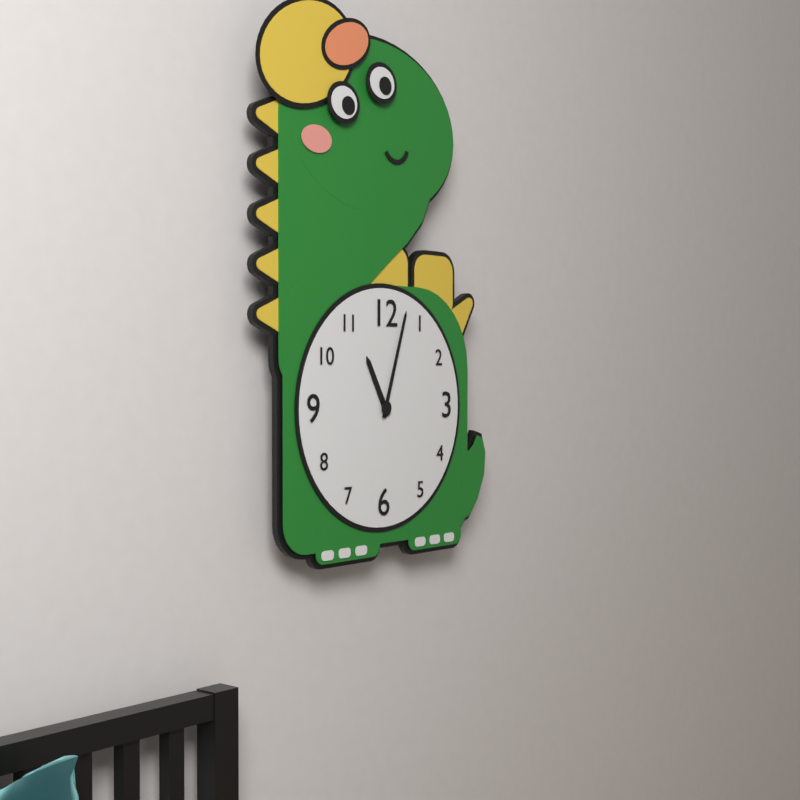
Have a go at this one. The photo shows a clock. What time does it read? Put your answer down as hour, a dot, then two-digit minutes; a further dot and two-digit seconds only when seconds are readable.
11.03
